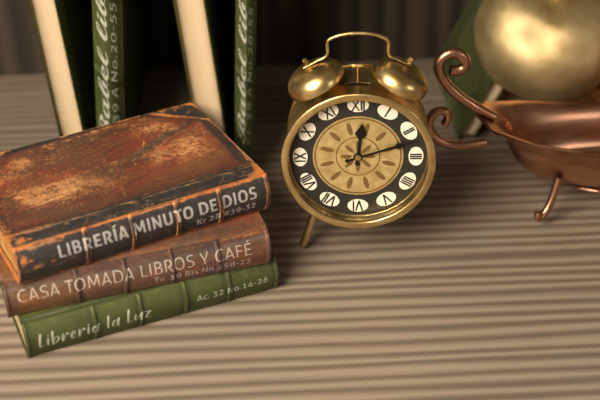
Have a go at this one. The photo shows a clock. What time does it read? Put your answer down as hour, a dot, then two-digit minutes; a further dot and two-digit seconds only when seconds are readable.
12.12
